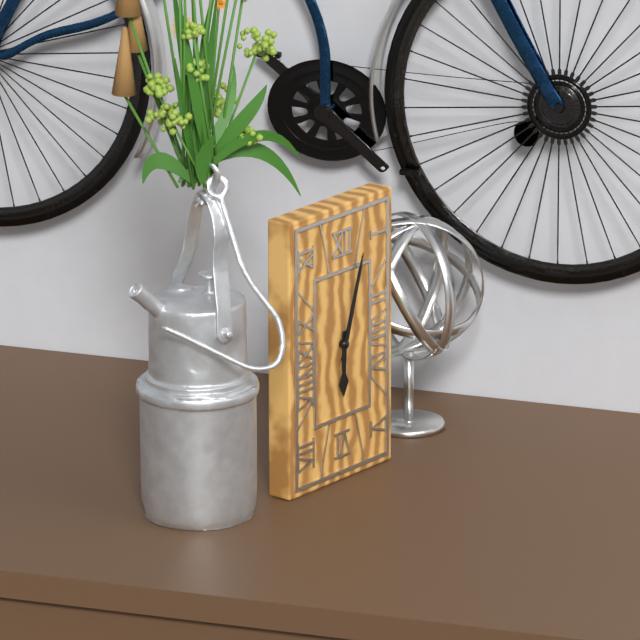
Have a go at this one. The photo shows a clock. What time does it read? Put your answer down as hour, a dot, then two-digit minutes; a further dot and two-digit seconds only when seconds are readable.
6.03
